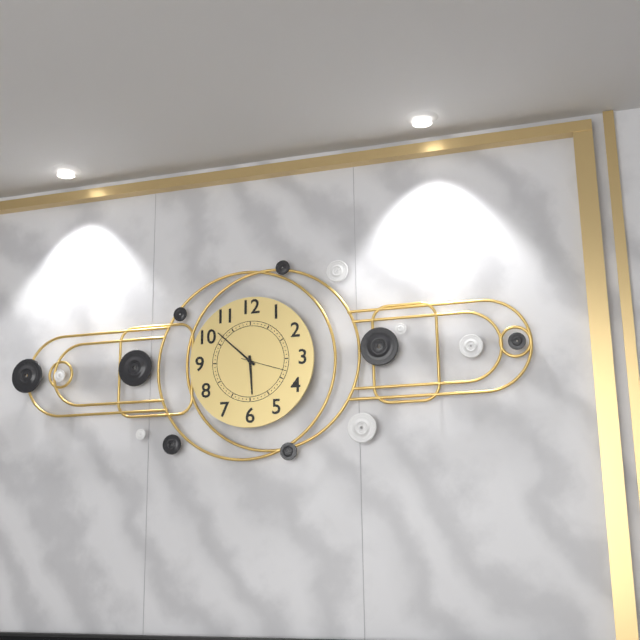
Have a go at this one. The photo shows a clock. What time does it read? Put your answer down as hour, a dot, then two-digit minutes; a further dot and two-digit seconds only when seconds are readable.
5.52
